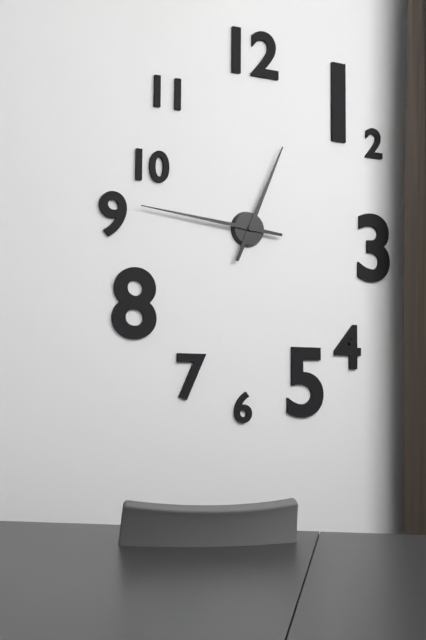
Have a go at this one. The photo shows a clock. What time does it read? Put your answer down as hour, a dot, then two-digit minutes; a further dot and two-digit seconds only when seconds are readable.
12.46
